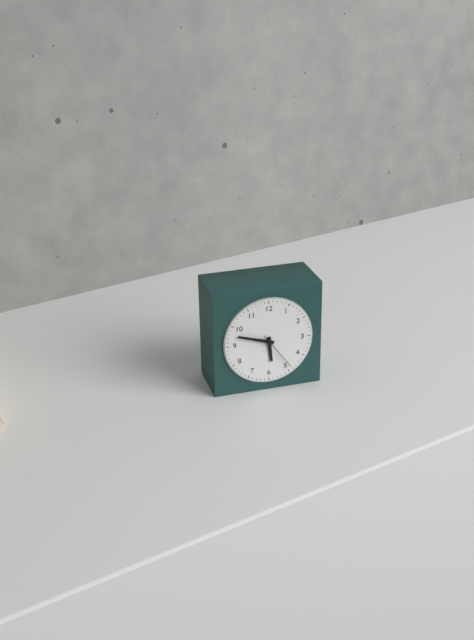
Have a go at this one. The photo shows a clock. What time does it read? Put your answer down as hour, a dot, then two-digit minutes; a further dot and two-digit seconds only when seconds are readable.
5.48
